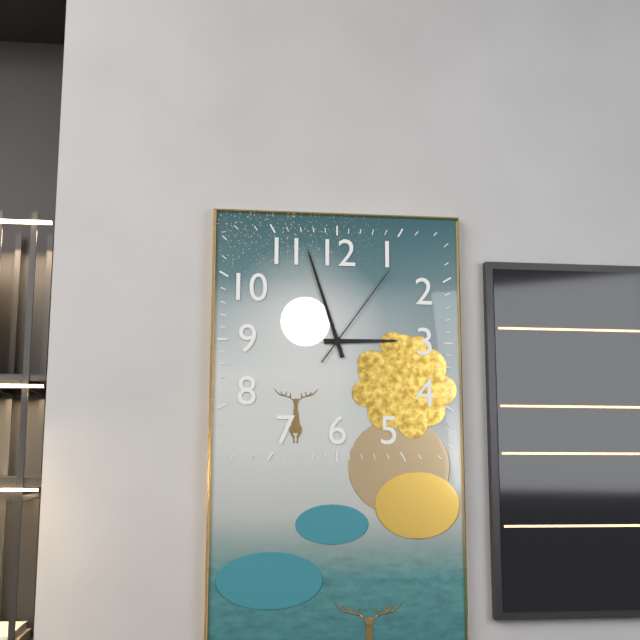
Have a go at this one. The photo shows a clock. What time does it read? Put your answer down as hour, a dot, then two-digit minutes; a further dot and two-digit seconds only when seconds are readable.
2.57.06
